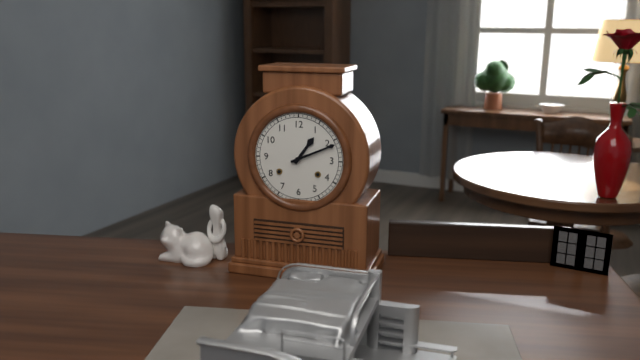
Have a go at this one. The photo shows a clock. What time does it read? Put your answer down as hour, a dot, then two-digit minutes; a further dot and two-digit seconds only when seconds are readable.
1.11
